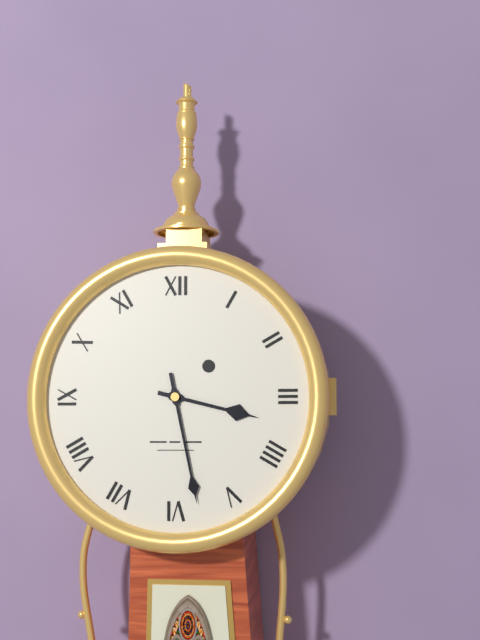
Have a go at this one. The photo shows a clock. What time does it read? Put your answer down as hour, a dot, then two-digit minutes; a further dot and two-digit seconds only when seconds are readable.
3.28
